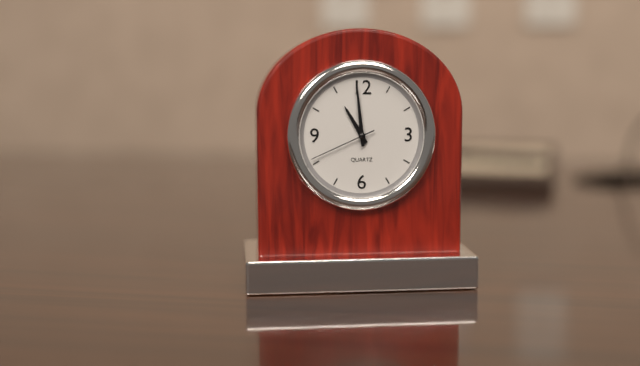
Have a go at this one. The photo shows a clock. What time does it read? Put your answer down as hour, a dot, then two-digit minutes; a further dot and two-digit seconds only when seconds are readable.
10.59.41
